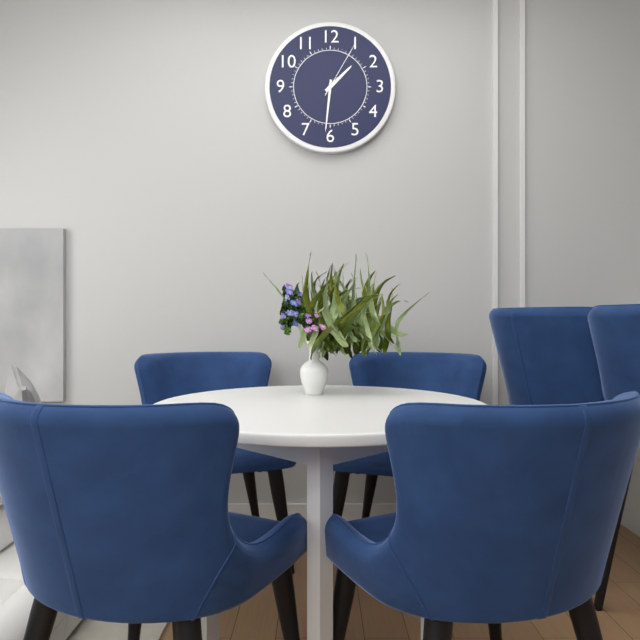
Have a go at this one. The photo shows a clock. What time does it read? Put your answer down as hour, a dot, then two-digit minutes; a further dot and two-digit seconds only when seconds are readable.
1.31.05
